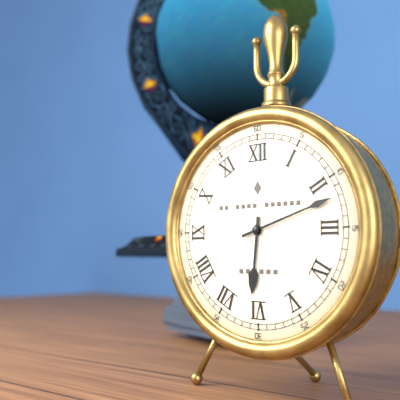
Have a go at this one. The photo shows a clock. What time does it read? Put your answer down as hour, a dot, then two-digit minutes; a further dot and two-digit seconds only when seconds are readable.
6.12
